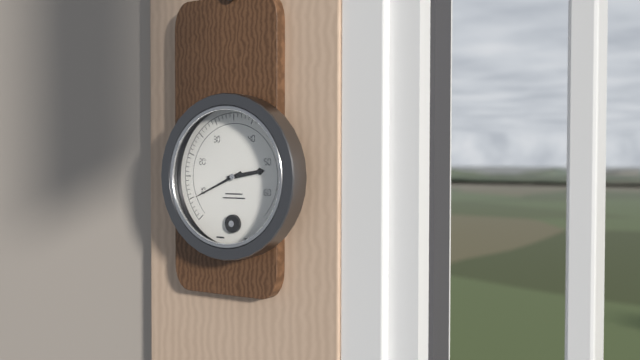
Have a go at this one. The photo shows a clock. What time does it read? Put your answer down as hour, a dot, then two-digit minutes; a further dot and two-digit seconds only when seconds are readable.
2.41
